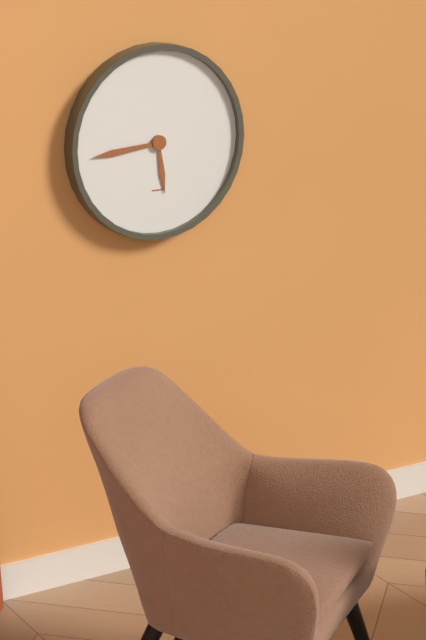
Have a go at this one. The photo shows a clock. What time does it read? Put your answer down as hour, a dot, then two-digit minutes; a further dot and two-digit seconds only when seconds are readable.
5.44
